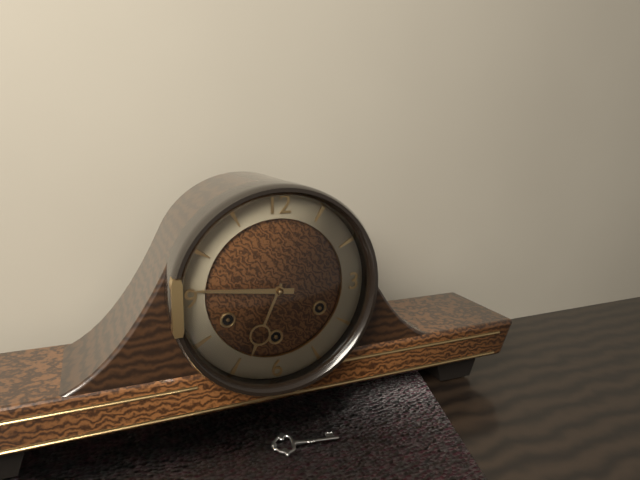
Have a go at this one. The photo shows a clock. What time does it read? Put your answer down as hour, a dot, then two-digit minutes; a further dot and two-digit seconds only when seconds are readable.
6.46
